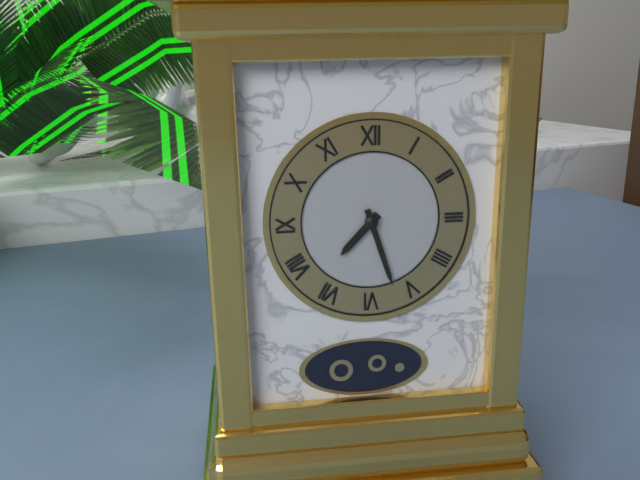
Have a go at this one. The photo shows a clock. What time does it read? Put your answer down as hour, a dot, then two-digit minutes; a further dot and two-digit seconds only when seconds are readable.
7.27
